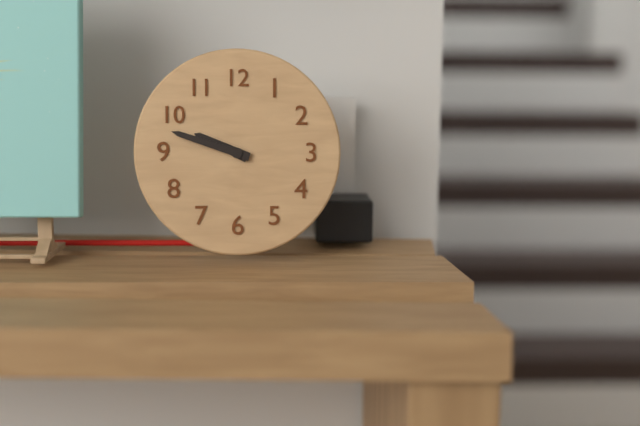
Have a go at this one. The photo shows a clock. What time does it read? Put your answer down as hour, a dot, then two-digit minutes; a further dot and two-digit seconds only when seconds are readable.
9.48
